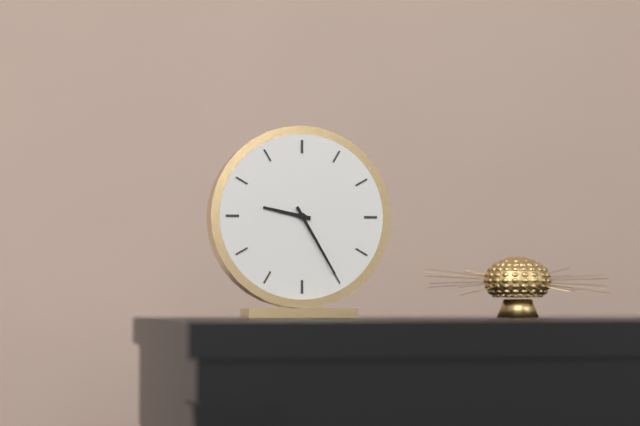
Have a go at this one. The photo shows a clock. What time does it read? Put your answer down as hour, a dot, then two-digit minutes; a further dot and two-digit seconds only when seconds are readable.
9.25
